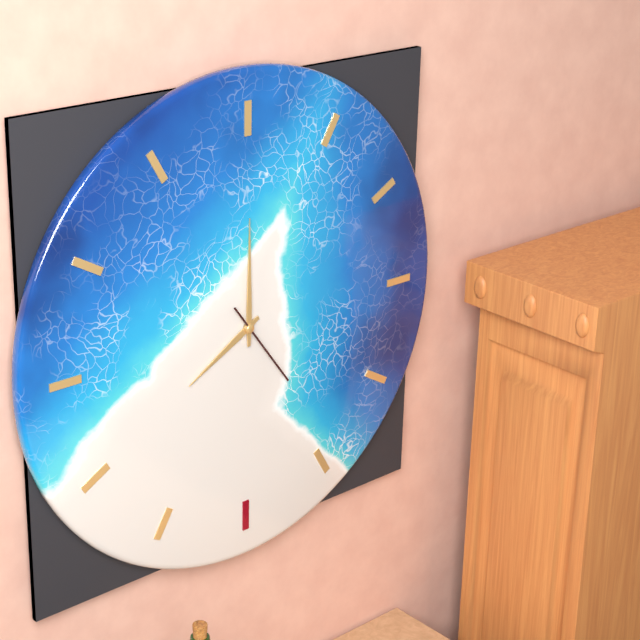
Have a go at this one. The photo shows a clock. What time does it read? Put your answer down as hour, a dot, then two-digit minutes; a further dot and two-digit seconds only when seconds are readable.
8.00.24
